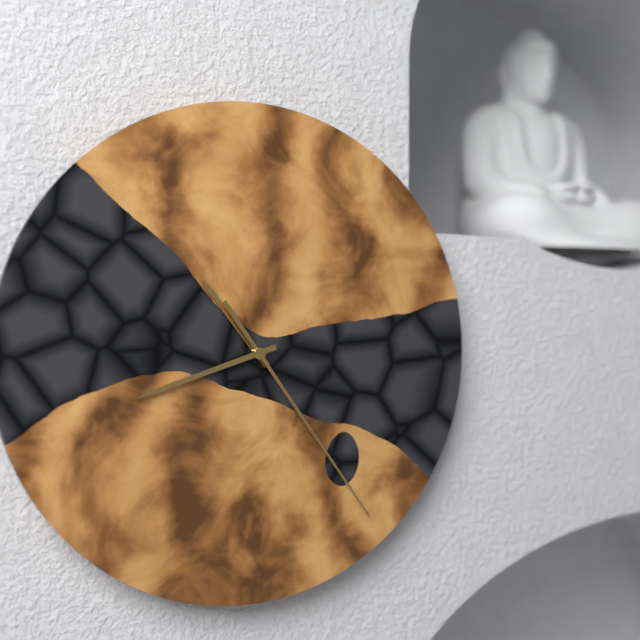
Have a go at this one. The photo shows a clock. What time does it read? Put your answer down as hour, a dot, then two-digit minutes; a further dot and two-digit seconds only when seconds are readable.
10.42.24
